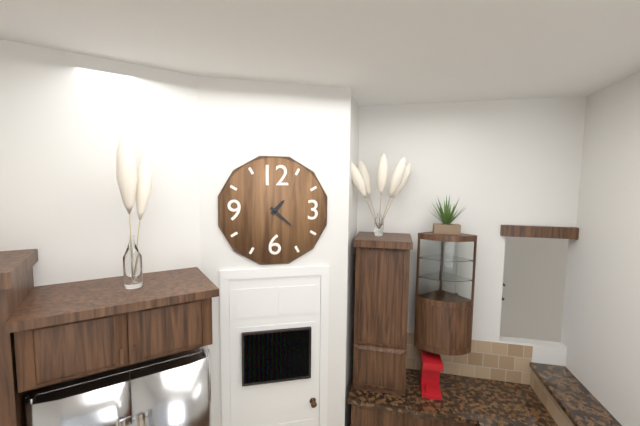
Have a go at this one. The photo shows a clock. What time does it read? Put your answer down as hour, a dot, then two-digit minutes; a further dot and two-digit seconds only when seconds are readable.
1.22
